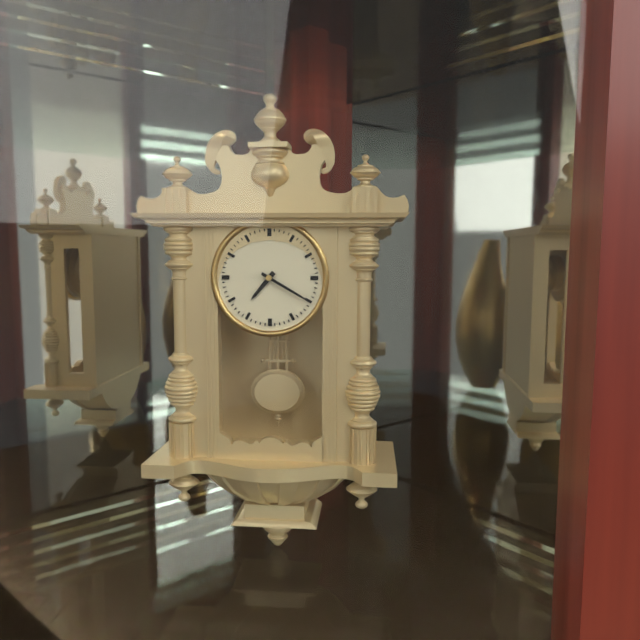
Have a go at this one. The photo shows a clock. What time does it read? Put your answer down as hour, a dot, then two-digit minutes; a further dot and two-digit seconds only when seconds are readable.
7.20
